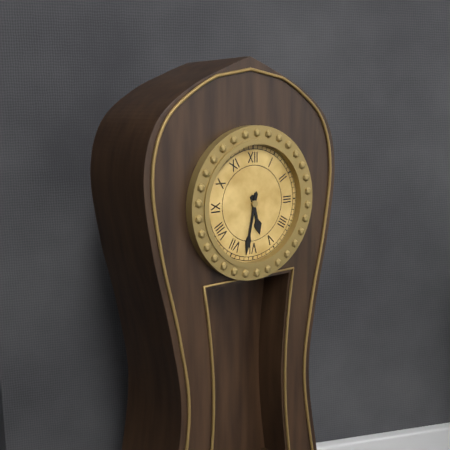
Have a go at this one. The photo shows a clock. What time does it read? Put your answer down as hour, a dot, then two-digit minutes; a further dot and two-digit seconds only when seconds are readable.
5.32
